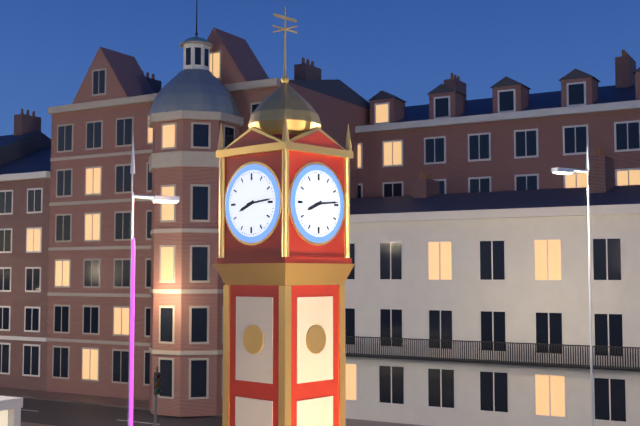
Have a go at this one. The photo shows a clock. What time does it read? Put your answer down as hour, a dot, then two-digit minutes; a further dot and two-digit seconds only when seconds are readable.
8.14
